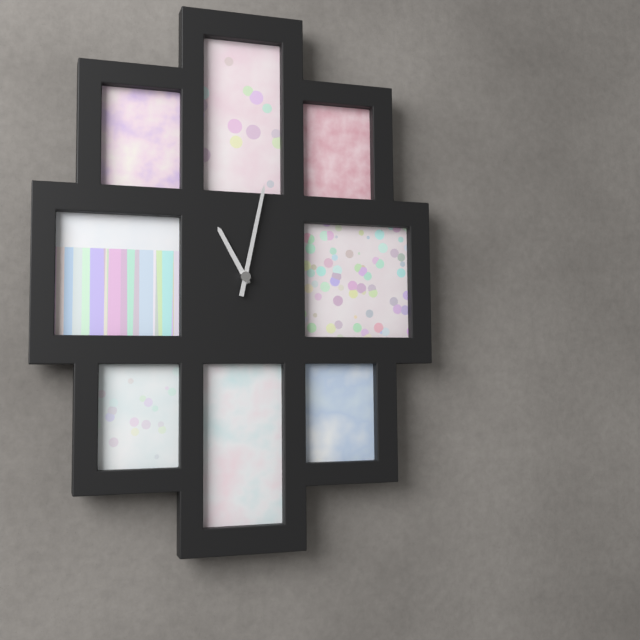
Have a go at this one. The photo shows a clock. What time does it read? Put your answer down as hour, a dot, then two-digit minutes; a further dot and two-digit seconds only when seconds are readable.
11.02
